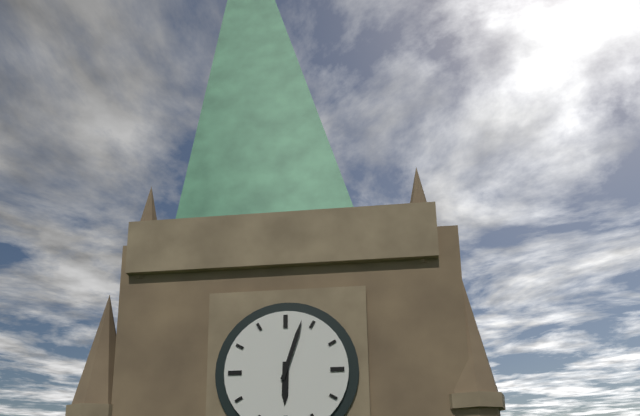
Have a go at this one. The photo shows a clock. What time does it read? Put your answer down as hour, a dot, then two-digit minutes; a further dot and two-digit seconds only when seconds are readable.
6.03
